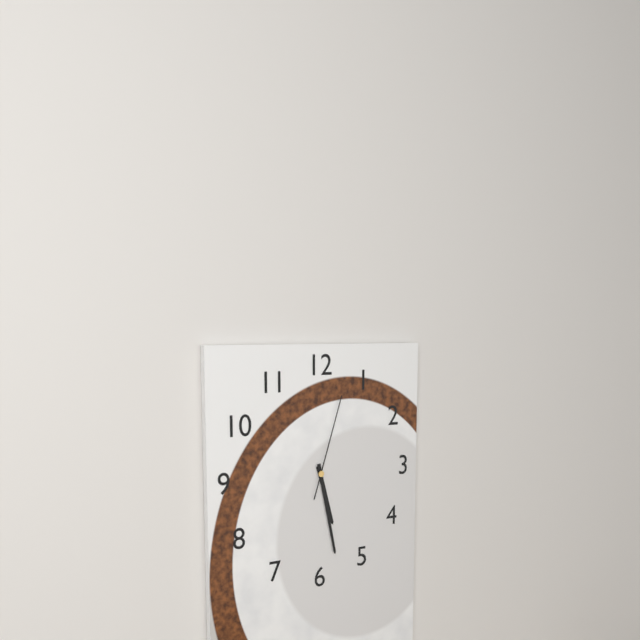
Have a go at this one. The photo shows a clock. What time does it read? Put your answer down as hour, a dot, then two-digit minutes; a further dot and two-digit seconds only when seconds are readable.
5.28.03
